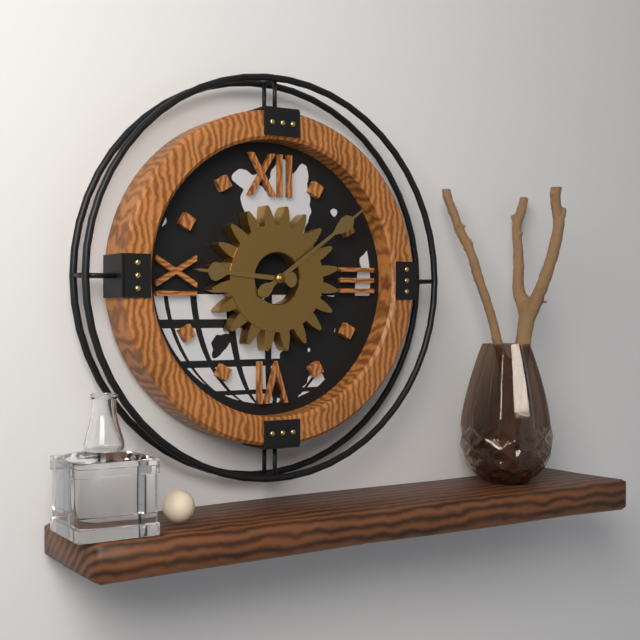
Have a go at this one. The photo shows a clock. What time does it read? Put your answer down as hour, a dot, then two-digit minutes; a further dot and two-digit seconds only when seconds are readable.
9.09
